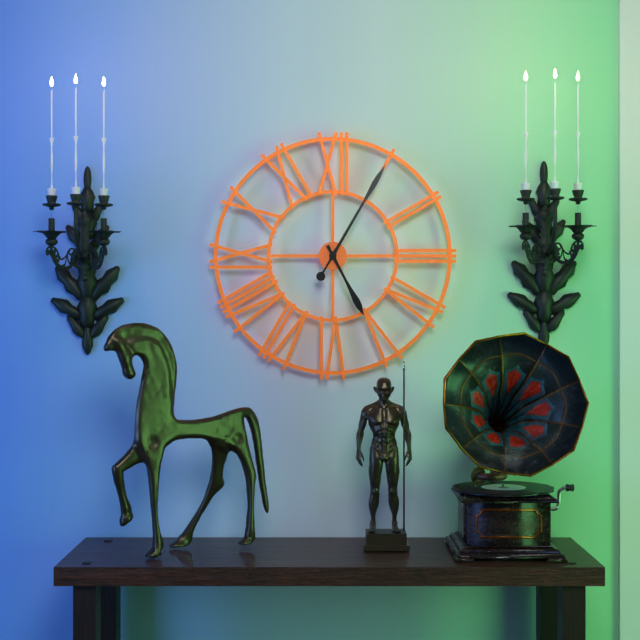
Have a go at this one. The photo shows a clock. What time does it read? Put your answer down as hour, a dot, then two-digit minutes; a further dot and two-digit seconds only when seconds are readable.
5.05
